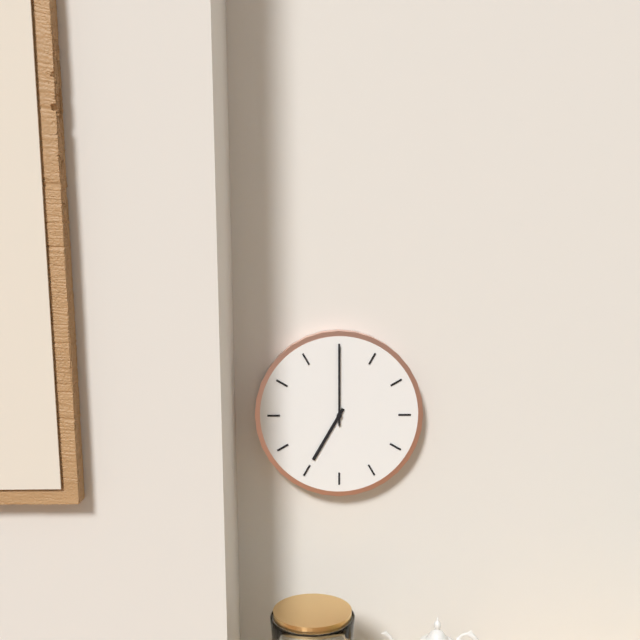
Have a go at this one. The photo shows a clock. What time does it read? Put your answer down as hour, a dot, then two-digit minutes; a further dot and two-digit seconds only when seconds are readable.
7.00
